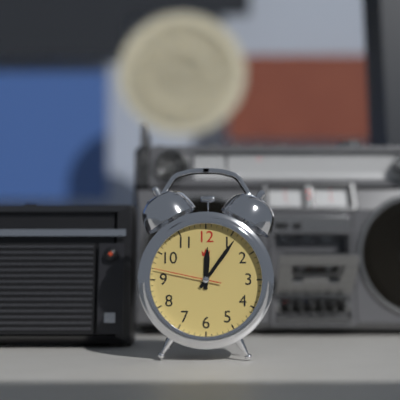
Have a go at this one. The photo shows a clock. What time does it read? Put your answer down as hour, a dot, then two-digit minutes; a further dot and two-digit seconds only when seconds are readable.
12.06.47
